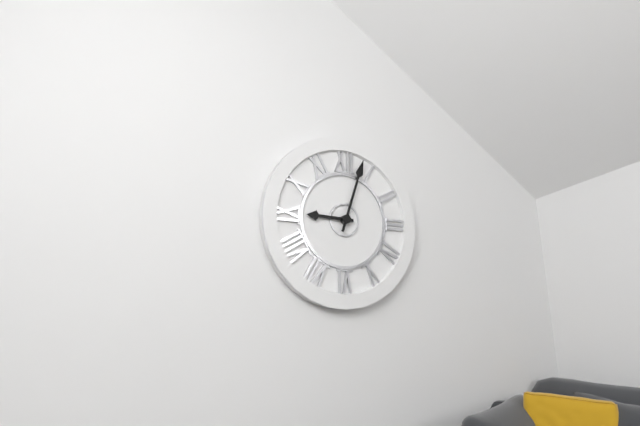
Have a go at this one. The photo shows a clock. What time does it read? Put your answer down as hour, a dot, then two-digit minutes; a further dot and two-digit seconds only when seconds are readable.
9.03
